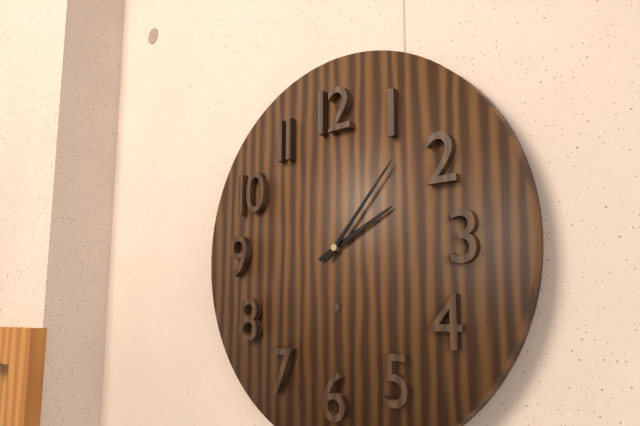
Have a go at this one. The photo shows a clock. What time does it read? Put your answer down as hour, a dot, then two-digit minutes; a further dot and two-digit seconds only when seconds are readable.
2.07
